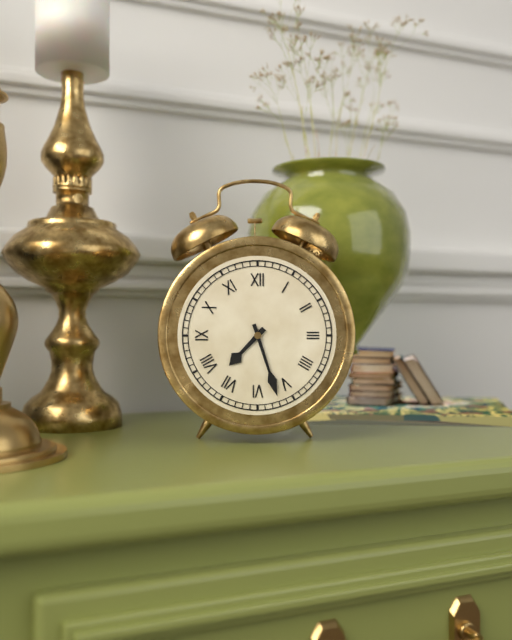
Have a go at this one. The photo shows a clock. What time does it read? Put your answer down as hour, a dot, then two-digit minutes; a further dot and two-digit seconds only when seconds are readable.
7.27
